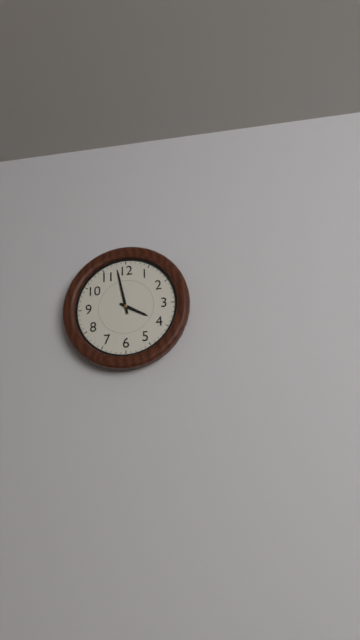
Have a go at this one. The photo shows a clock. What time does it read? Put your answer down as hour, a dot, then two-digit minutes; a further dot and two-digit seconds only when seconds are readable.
3.58
